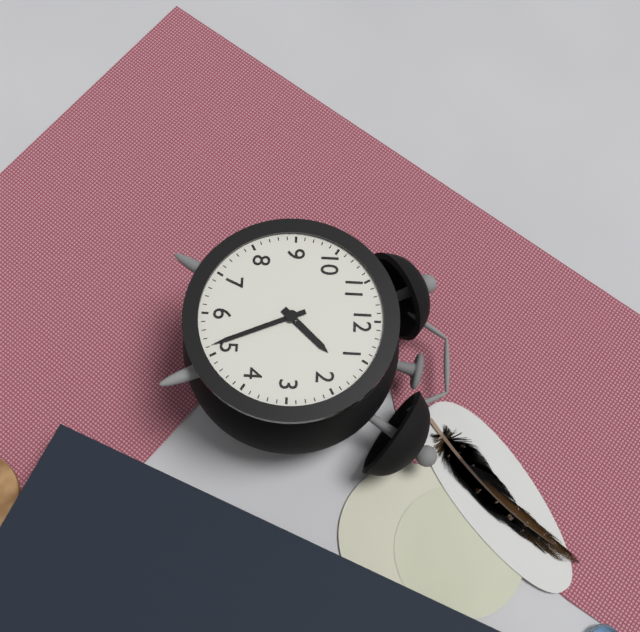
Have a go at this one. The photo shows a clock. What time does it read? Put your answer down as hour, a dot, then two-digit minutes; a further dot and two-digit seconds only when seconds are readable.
1.26
